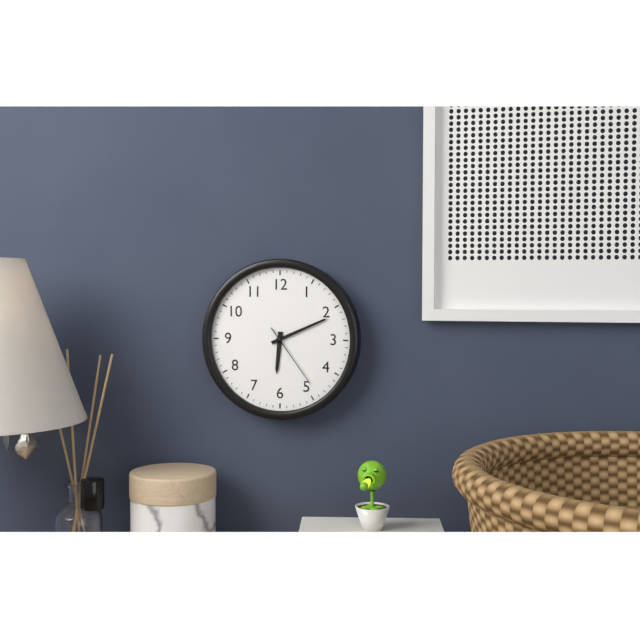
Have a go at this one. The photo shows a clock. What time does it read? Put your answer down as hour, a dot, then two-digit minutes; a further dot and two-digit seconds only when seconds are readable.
6.11.24
